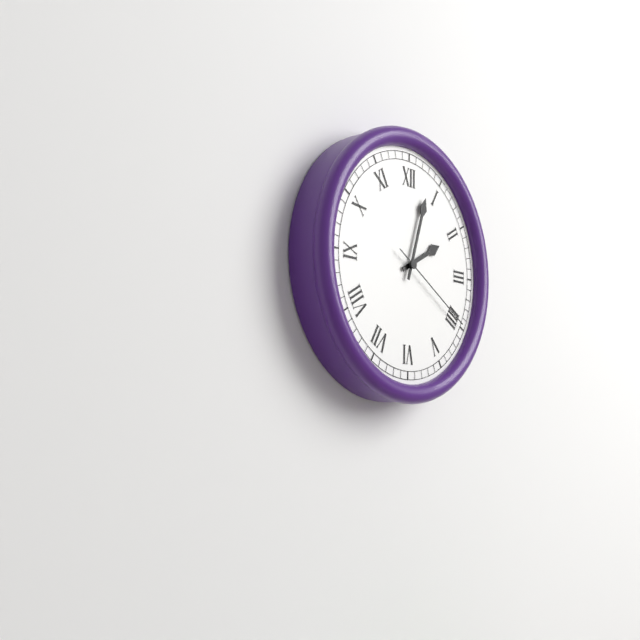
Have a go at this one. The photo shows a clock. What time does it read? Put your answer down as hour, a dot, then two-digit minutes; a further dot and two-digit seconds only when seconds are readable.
2.03.20
